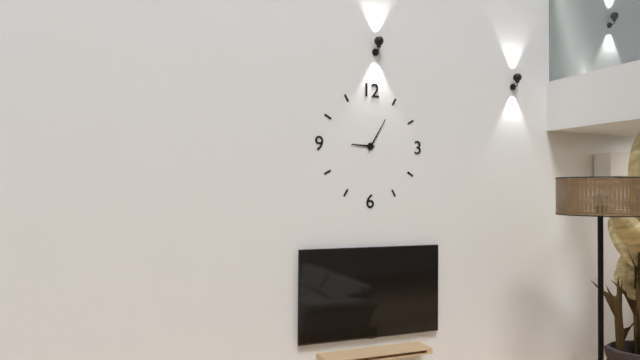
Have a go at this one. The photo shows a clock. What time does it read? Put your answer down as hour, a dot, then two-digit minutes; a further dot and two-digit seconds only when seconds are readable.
9.05
